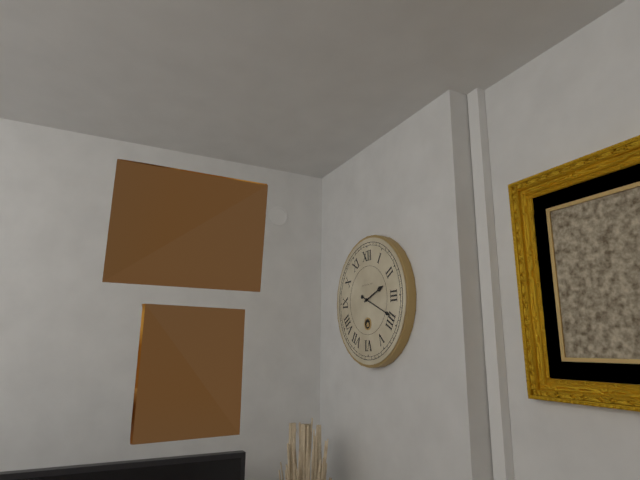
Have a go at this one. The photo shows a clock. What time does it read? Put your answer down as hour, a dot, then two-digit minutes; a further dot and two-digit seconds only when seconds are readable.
2.19
